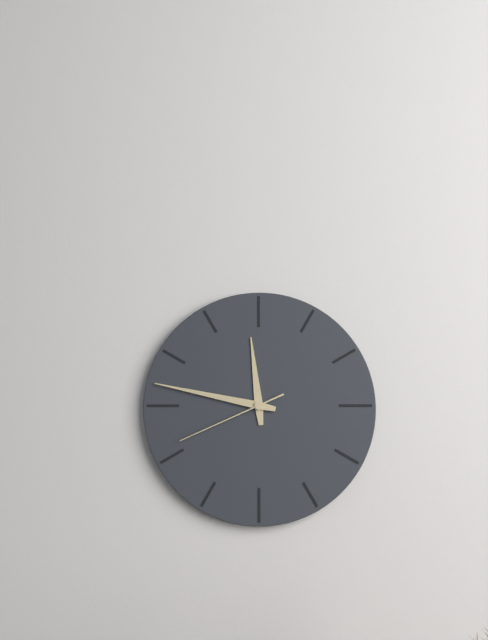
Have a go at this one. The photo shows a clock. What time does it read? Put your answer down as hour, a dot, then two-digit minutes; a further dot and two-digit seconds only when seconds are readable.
11.47.41
